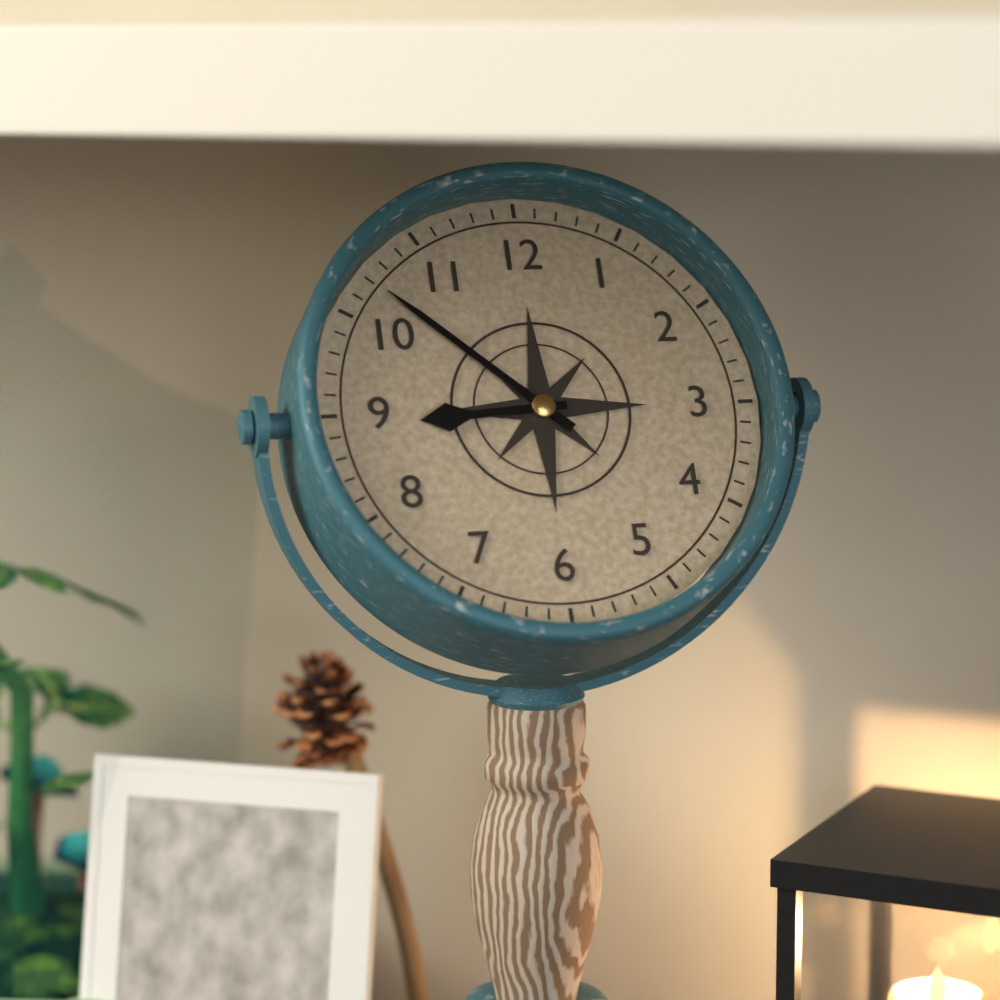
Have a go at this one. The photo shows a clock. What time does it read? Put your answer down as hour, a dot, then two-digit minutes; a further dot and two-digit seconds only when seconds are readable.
8.52
